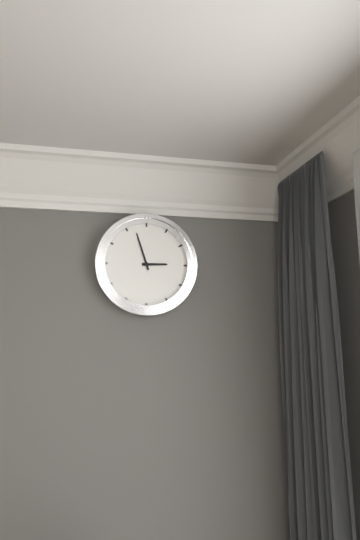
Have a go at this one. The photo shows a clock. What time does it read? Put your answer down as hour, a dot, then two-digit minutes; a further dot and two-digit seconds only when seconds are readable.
2.57
